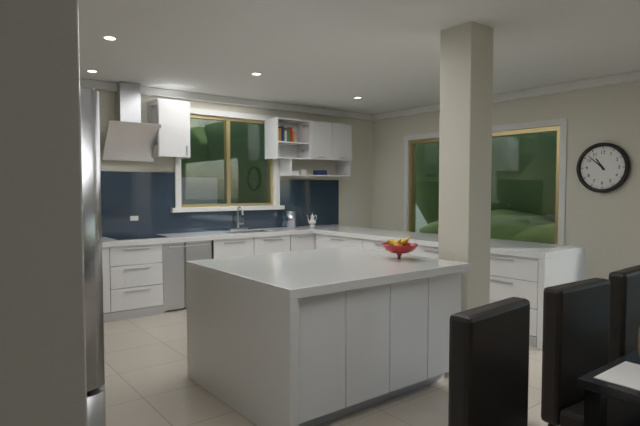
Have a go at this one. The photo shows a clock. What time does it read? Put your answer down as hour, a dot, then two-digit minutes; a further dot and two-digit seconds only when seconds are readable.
10.52
